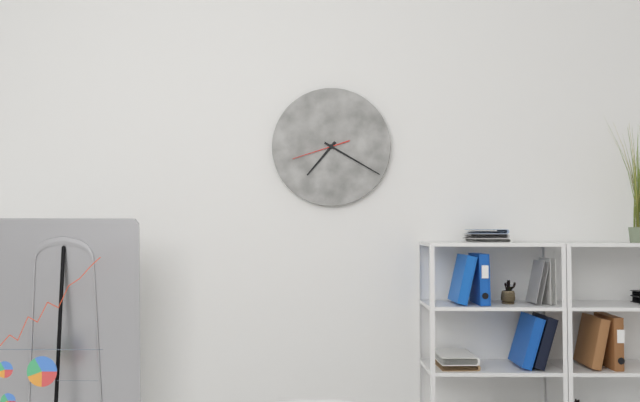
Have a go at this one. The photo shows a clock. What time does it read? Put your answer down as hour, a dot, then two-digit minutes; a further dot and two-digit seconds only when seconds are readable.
7.20.42
